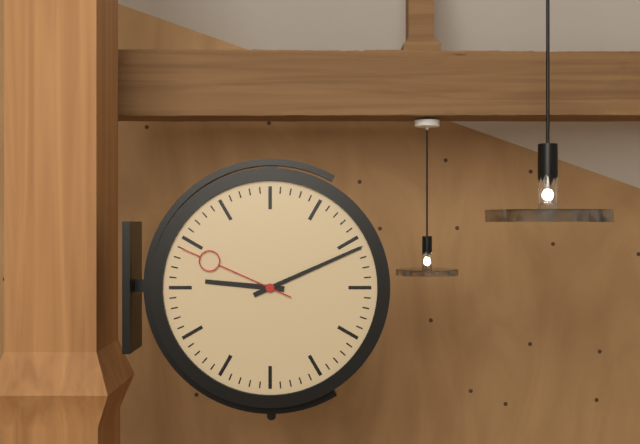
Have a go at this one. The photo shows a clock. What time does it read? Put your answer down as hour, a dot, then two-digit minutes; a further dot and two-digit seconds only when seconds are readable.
9.11.49
